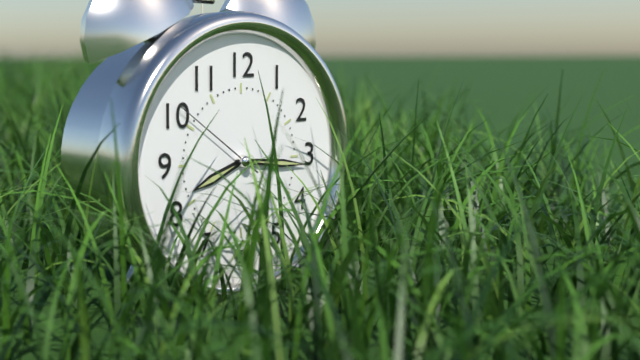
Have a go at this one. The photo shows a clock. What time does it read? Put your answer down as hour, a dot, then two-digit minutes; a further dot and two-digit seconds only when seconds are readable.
8.16.51
